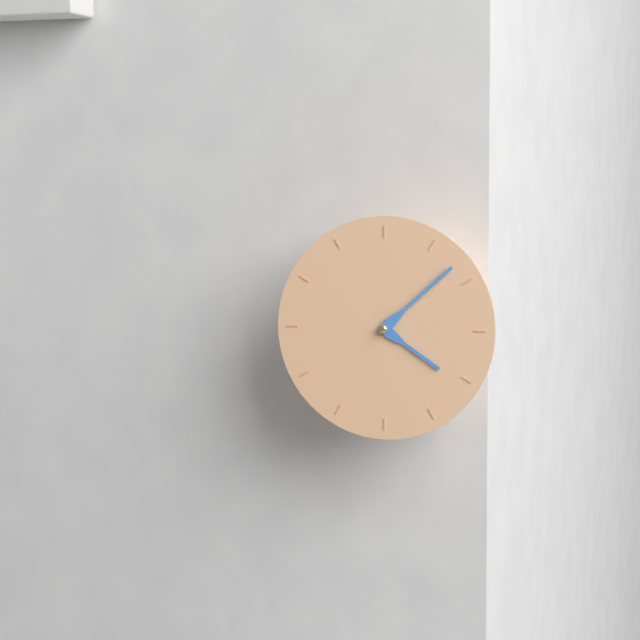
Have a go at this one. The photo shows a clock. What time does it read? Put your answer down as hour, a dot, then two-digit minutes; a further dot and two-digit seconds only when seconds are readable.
4.08
